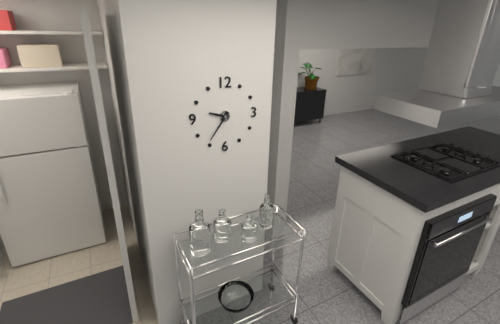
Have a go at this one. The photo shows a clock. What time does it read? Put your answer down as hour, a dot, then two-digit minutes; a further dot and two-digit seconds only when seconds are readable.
9.36
